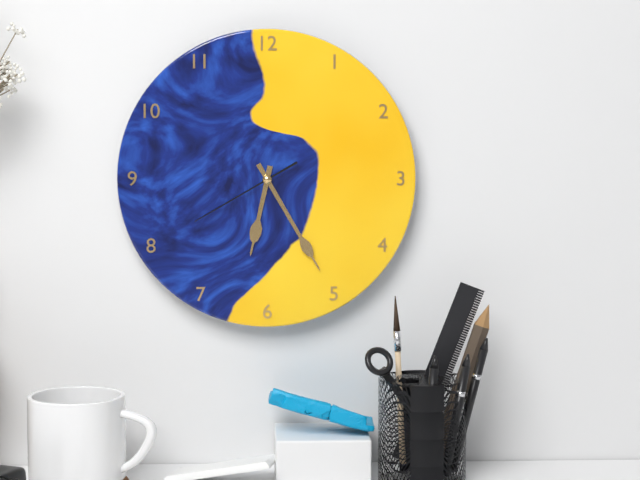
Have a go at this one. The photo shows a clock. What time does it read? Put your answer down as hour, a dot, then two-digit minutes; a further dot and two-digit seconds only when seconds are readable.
6.25.40
